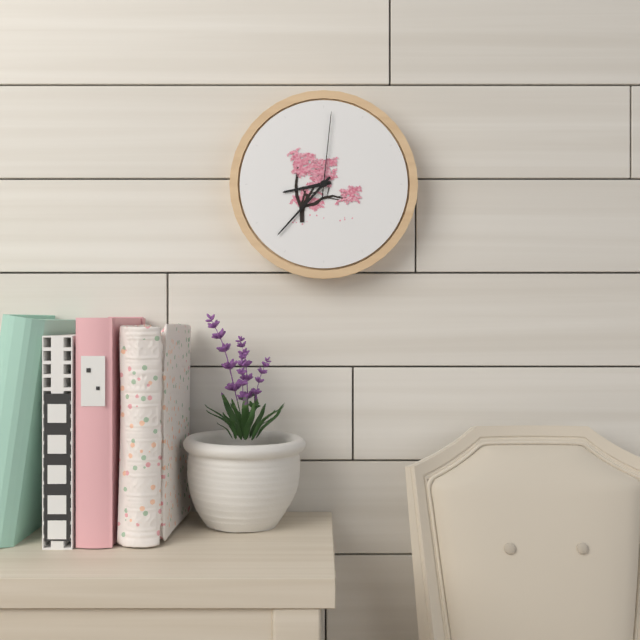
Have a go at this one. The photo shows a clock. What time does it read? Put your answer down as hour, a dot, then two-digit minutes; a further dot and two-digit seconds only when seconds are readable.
8.37.01
